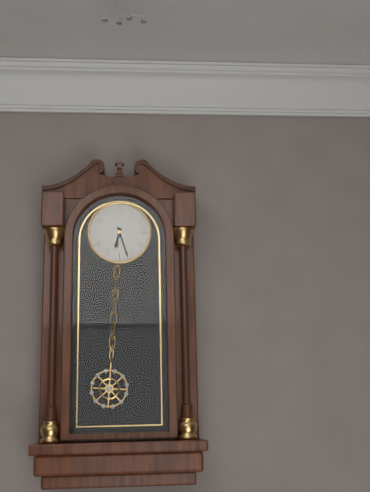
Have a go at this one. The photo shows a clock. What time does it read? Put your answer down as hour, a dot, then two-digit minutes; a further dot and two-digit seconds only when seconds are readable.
6.27
